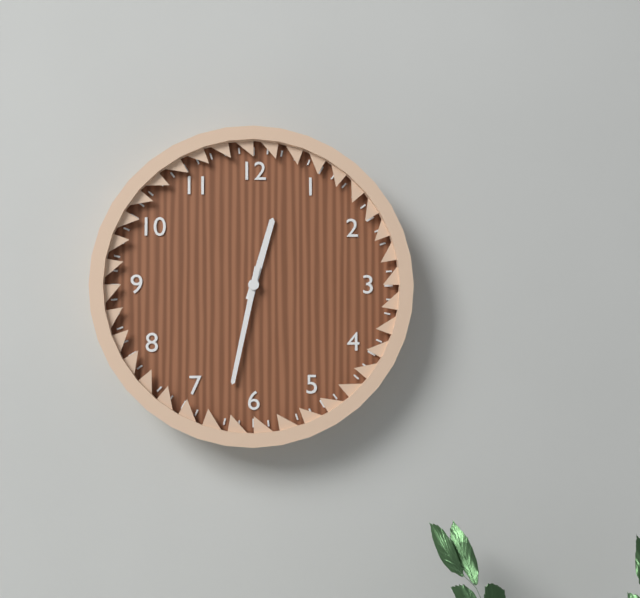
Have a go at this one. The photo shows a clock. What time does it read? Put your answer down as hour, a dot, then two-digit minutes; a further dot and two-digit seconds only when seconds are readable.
12.32
